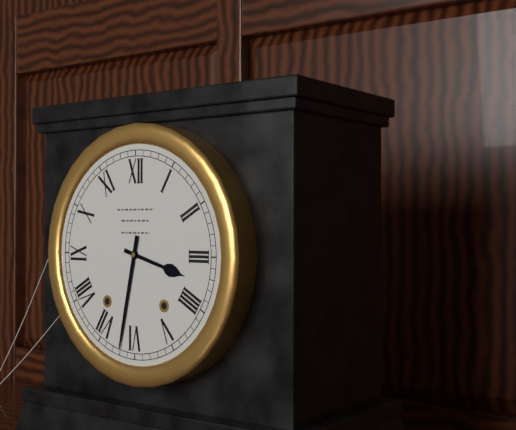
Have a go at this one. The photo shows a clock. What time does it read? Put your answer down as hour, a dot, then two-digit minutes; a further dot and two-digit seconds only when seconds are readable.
3.32
